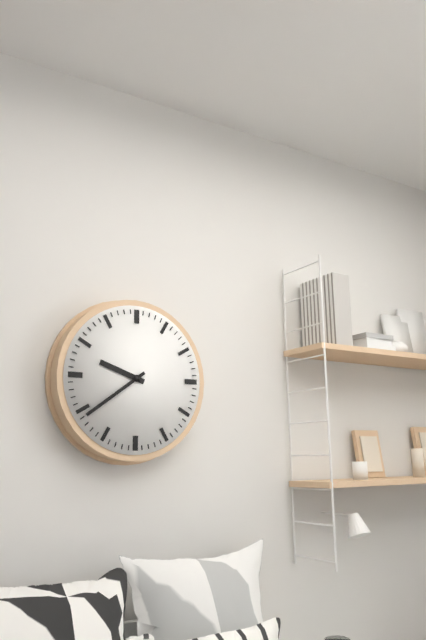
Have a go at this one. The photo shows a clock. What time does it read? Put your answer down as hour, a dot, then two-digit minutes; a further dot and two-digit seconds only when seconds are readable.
9.39
